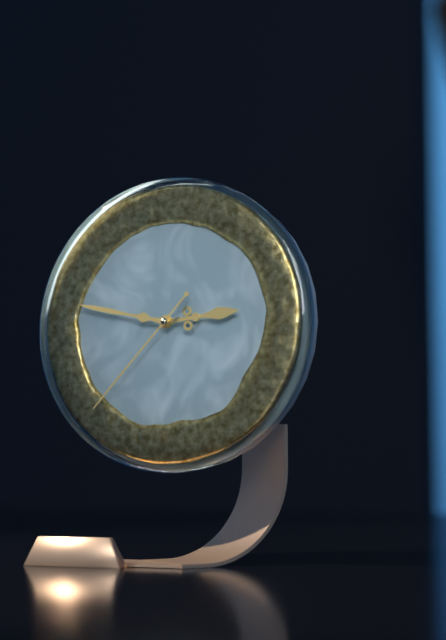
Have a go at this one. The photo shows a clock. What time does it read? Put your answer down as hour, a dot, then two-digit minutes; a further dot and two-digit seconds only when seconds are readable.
2.47.37
